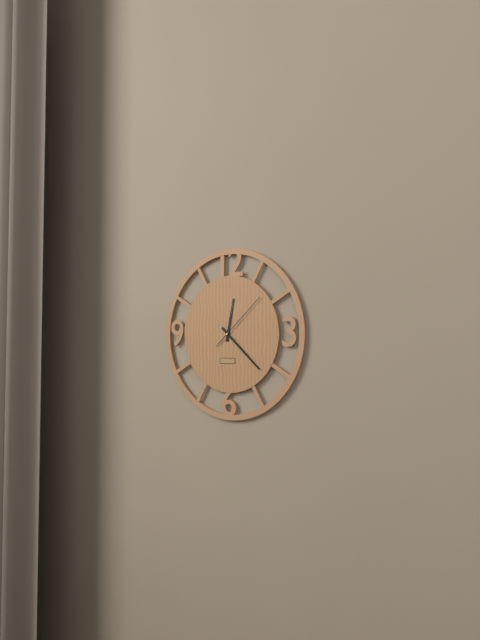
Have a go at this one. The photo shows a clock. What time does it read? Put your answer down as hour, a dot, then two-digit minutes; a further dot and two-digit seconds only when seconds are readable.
12.22.08
